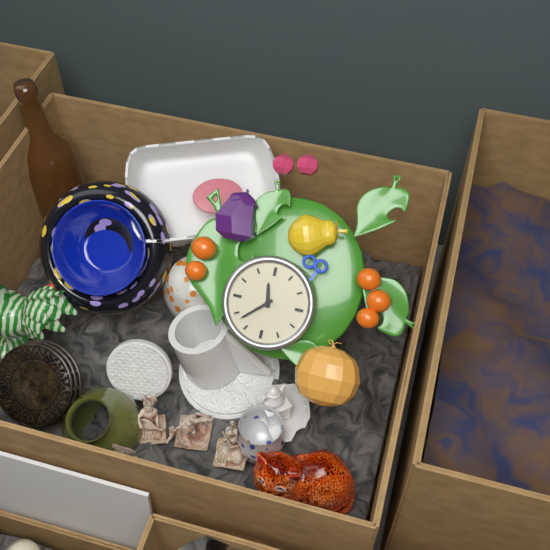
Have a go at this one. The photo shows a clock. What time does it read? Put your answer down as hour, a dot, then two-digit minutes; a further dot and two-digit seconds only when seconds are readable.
11.38
